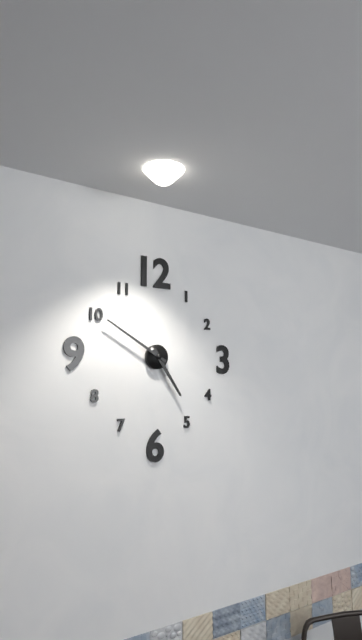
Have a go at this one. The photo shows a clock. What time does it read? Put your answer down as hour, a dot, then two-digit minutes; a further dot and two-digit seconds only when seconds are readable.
4.50
